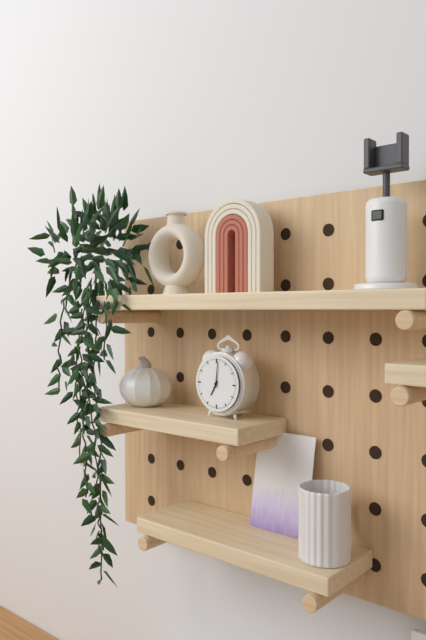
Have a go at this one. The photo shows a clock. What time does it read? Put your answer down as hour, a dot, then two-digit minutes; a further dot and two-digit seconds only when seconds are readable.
7.01
